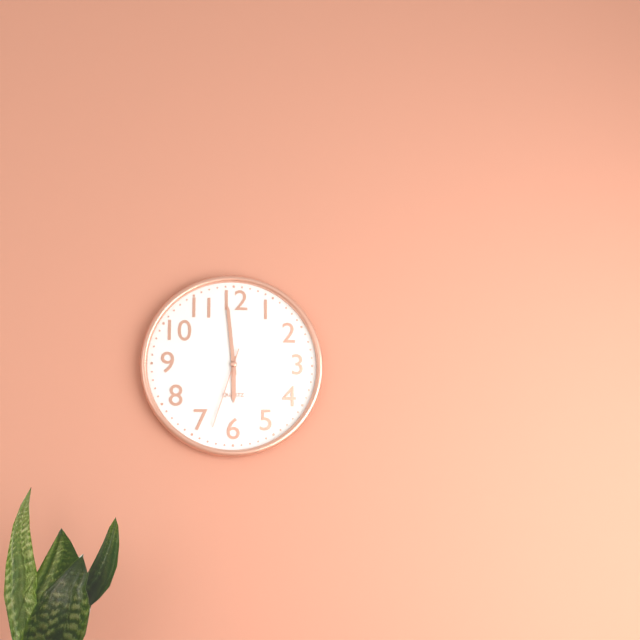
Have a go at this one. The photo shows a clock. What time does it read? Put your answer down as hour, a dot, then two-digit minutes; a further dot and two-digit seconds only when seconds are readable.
5.59.33
